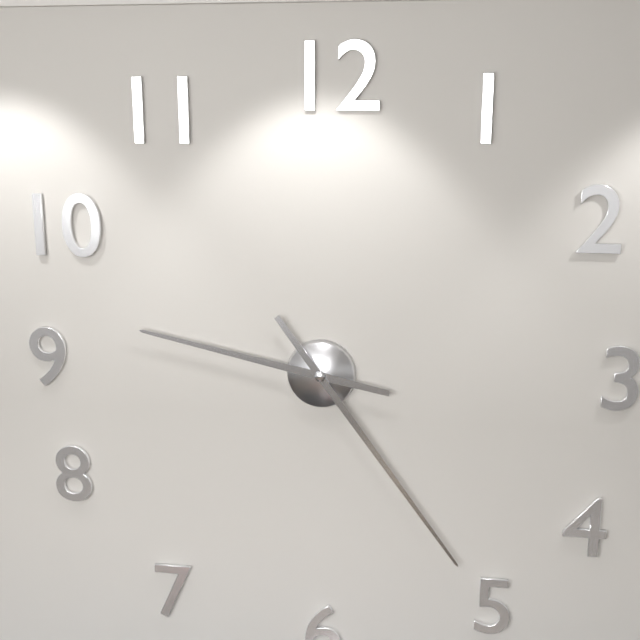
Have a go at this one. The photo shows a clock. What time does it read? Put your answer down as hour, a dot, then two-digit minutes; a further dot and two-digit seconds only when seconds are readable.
9.24
